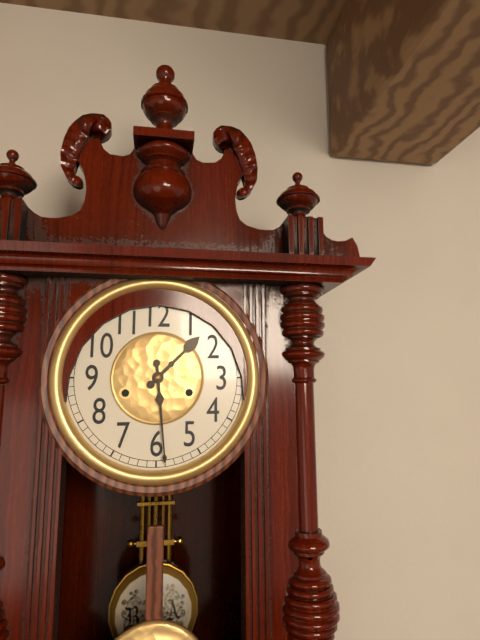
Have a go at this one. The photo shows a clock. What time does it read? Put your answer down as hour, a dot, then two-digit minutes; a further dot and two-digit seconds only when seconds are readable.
1.29
